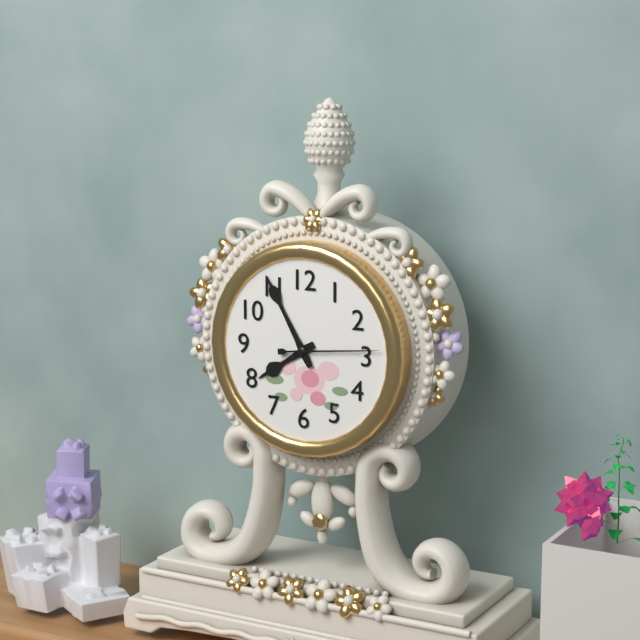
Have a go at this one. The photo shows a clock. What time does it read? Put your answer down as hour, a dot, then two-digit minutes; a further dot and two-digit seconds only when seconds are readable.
7.55.14
